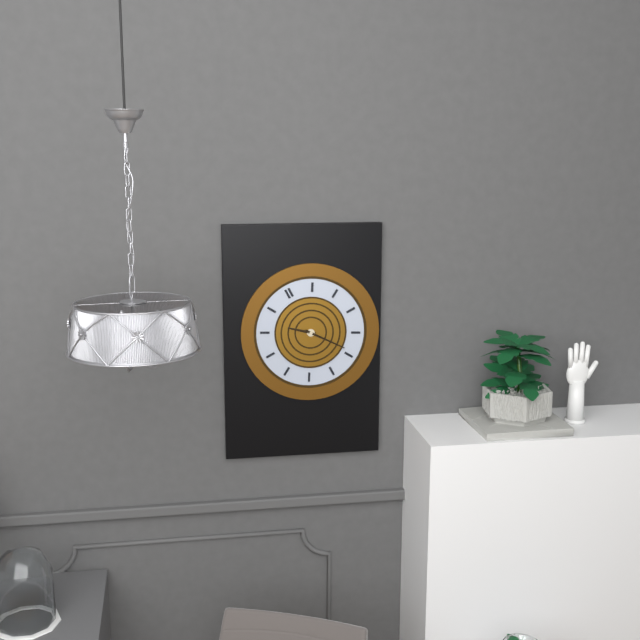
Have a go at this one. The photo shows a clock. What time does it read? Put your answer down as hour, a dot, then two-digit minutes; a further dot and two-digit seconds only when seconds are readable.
10.24
